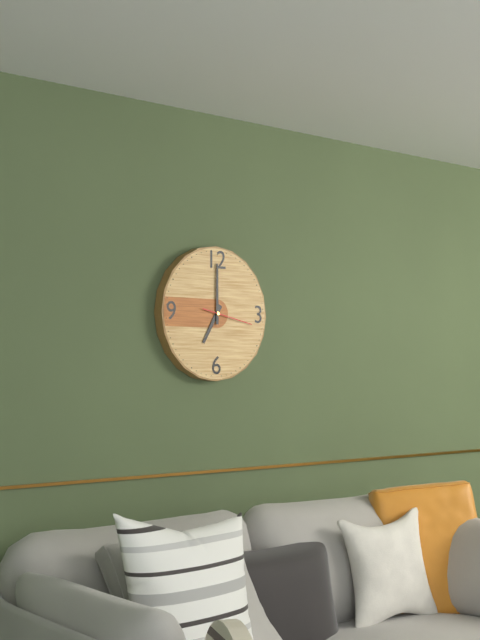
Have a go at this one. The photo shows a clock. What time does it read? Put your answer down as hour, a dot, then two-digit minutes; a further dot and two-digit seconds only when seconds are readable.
7.00
